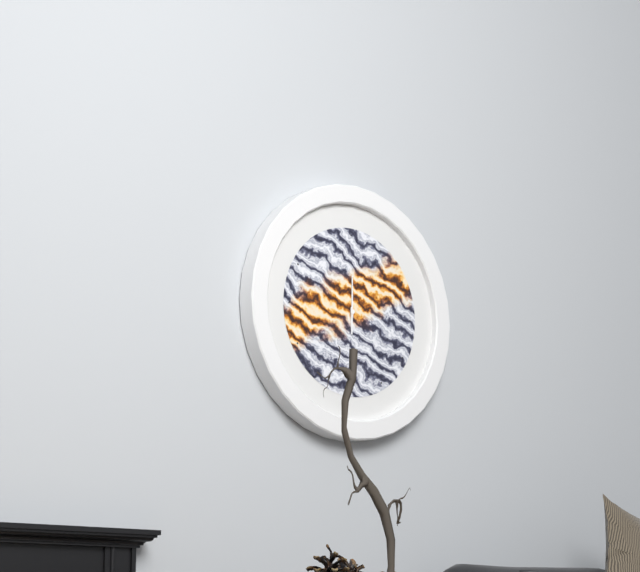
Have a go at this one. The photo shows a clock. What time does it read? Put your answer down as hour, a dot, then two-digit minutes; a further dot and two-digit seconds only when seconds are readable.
6.00
